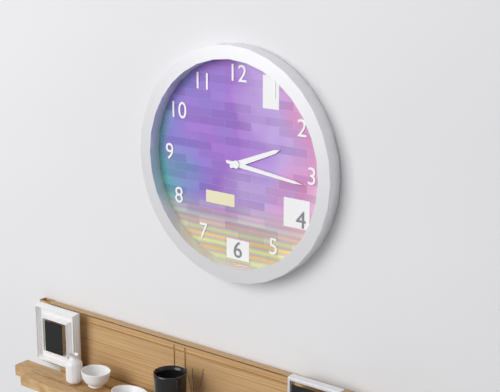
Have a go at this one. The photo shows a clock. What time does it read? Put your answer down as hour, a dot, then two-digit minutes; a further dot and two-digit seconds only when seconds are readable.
2.16
